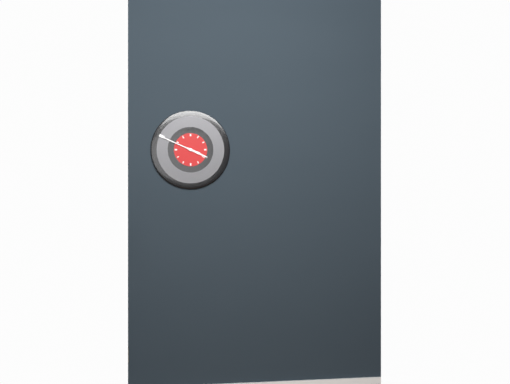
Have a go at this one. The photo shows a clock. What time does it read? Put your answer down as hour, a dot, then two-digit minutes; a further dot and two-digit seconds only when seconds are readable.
3.49
